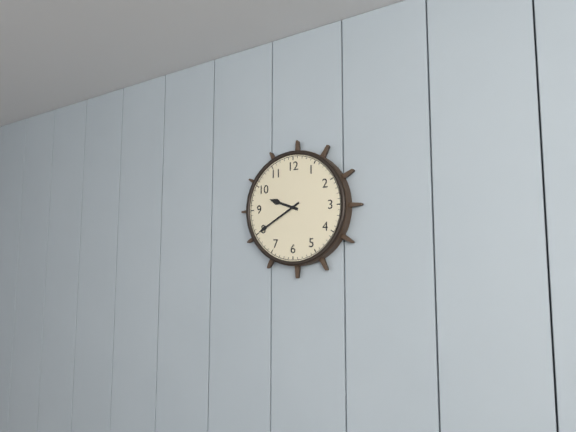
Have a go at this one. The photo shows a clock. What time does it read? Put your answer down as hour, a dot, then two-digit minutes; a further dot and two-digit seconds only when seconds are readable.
9.40
